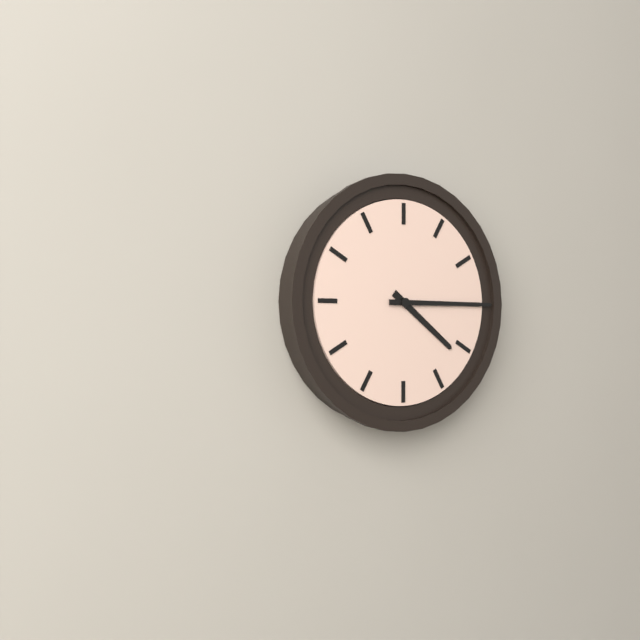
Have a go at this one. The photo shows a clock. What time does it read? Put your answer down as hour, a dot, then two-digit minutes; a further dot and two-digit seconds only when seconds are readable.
4.15
